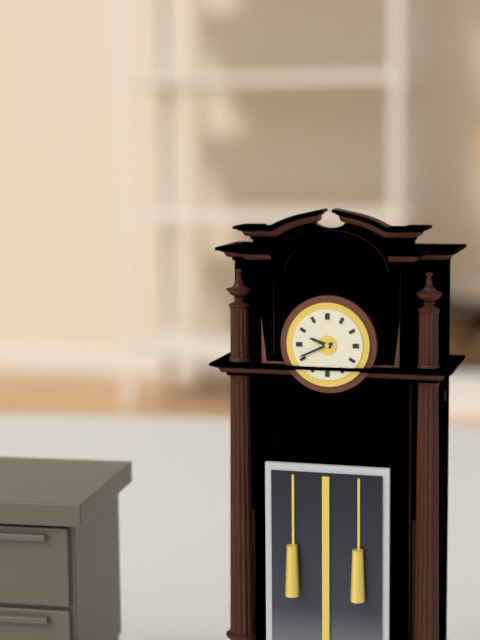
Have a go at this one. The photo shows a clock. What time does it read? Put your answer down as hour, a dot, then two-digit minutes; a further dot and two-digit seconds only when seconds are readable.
9.41
